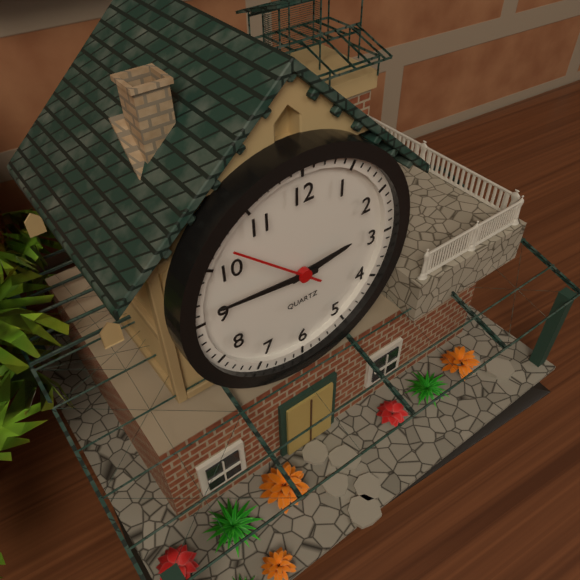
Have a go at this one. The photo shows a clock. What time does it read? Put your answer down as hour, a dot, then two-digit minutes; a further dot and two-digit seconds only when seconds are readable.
2.46.52
